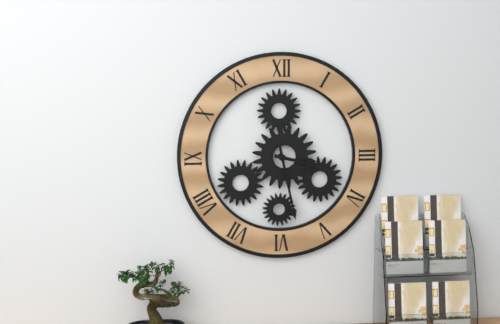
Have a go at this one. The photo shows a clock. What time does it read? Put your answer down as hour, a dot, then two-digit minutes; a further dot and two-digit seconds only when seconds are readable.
3.28
